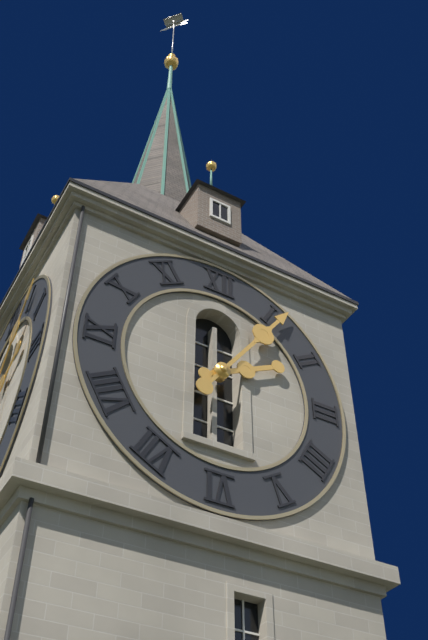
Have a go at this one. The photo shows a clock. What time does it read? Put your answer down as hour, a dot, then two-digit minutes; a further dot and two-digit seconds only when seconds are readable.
2.06
